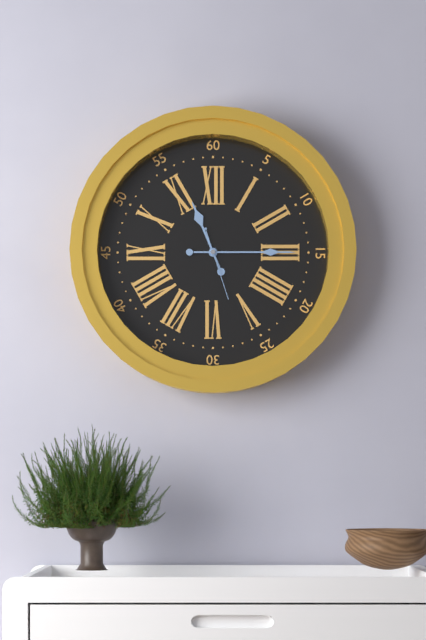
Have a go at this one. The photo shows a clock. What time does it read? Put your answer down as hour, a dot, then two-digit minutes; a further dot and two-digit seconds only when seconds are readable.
11.15.27
